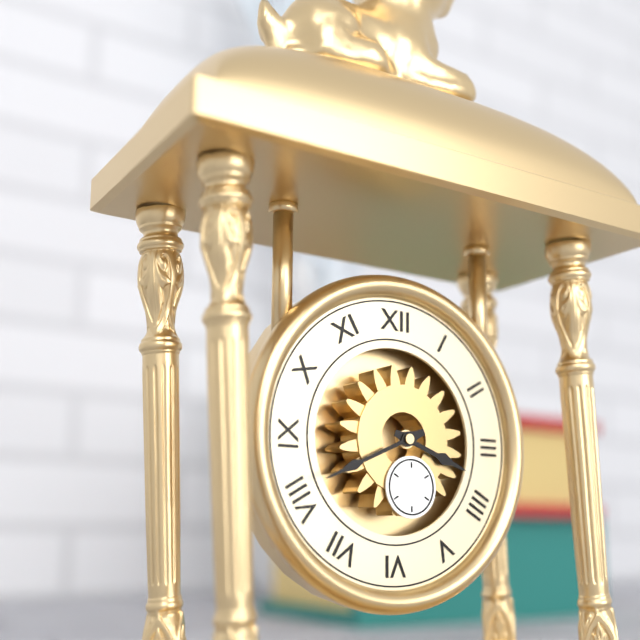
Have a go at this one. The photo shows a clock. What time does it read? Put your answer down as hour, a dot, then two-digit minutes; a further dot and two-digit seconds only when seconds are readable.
3.41
